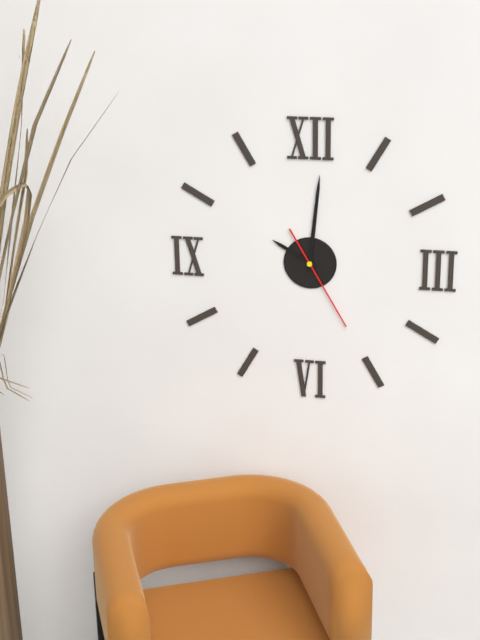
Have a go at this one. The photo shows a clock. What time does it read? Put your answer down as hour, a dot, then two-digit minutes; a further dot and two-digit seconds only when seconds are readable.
10.01.25
